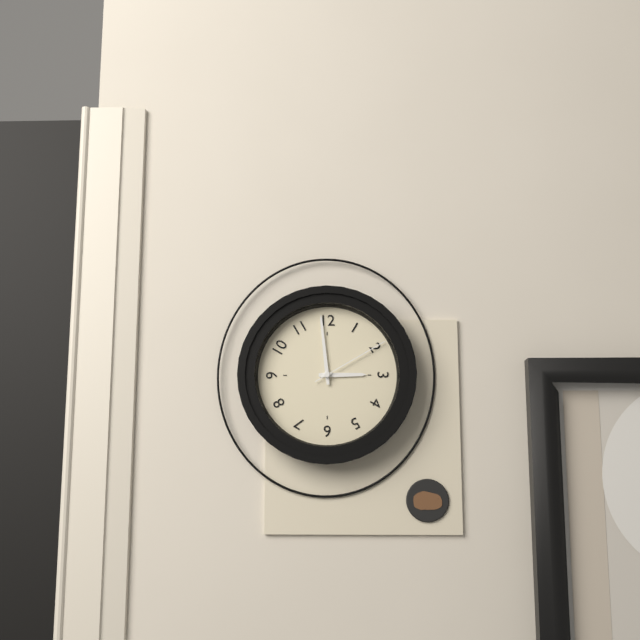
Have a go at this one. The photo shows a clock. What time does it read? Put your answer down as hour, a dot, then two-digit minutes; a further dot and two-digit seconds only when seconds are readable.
2.59.10
